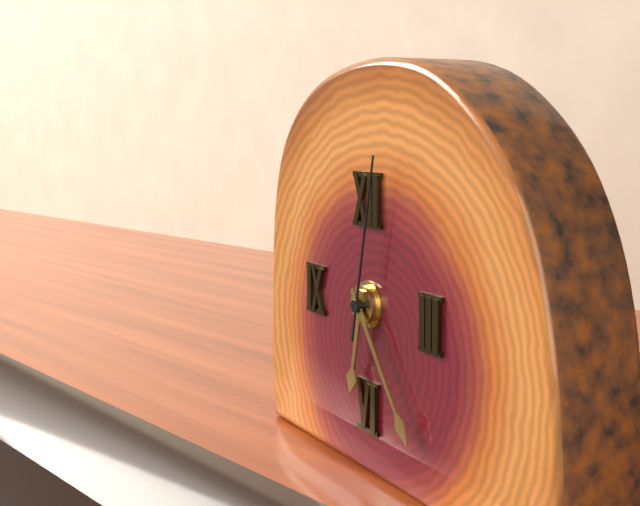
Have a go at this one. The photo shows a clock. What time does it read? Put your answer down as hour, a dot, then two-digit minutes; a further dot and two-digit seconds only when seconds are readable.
6.24.02
